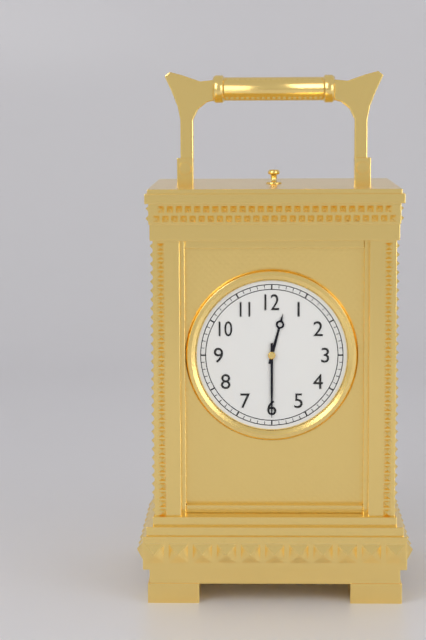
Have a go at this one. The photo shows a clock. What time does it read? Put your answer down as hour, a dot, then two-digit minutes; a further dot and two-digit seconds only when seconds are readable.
12.30
